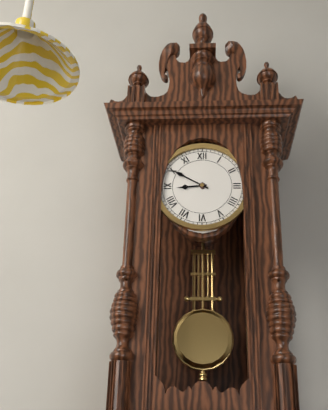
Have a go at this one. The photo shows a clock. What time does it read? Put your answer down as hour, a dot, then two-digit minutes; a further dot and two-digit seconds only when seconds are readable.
8.50
